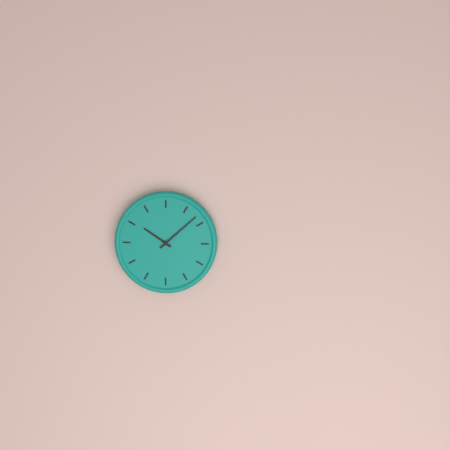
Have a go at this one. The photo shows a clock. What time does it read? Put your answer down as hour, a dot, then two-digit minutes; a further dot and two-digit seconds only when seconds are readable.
10.08
